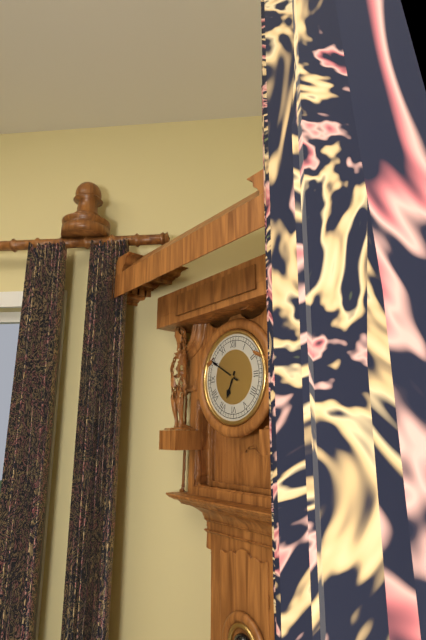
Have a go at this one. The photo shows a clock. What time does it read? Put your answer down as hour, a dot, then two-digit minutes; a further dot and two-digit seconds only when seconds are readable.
6.50
